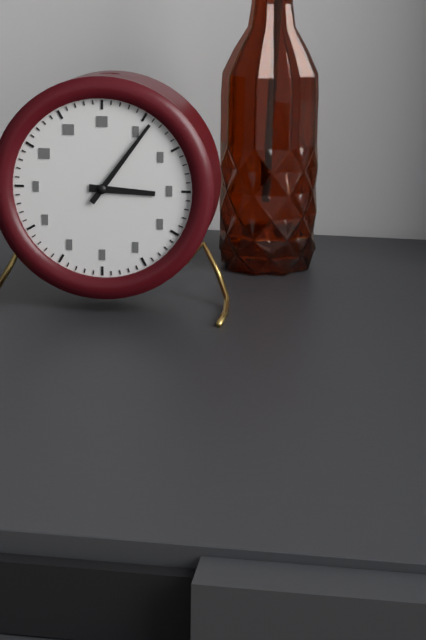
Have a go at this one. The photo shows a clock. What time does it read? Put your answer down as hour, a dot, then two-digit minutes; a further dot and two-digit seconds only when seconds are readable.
3.06
